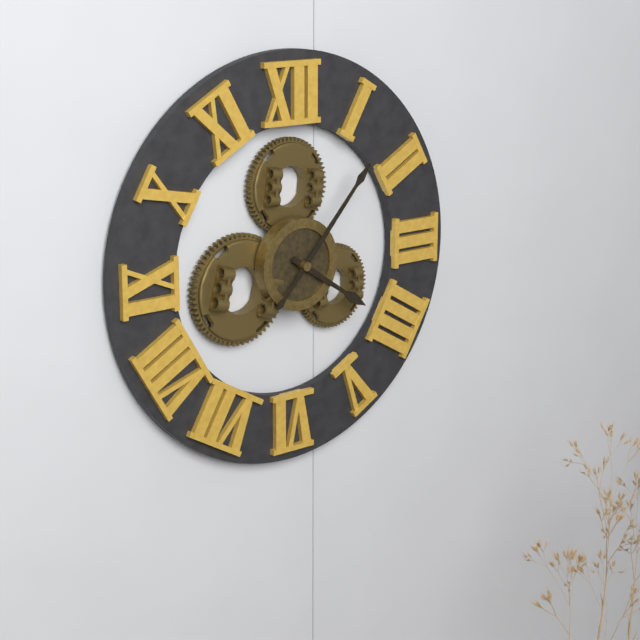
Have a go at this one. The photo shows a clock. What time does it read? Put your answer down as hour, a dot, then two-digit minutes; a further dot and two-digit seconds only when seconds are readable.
4.07
